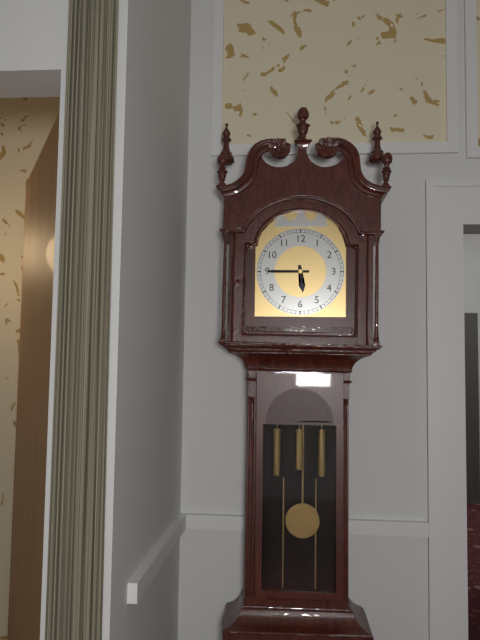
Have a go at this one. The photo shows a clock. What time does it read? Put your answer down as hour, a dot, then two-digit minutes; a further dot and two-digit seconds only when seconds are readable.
5.45
